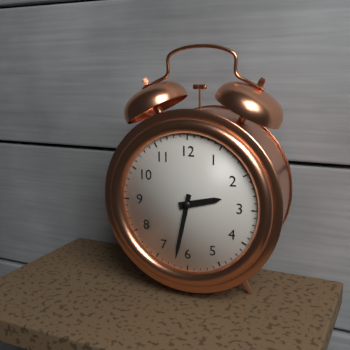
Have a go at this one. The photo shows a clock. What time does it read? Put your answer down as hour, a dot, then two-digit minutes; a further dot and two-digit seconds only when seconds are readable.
2.32
